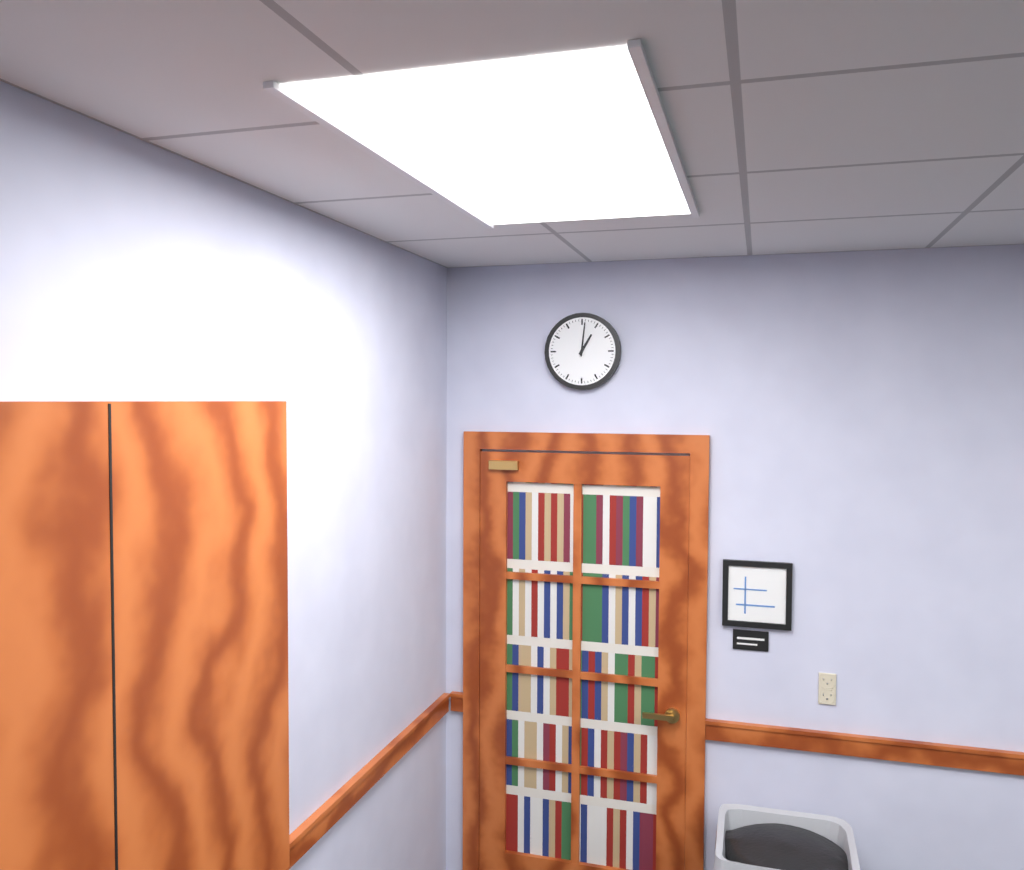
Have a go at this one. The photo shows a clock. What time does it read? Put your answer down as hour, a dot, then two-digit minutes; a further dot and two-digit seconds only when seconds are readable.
1.01
